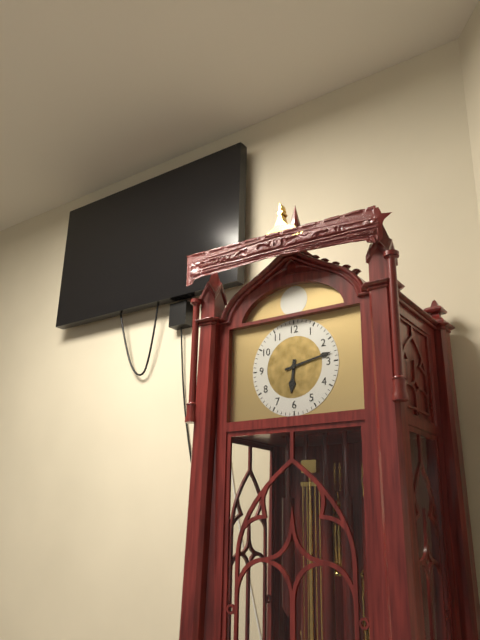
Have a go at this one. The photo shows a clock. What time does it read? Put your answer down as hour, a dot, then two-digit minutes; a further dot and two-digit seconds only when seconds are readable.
6.13
